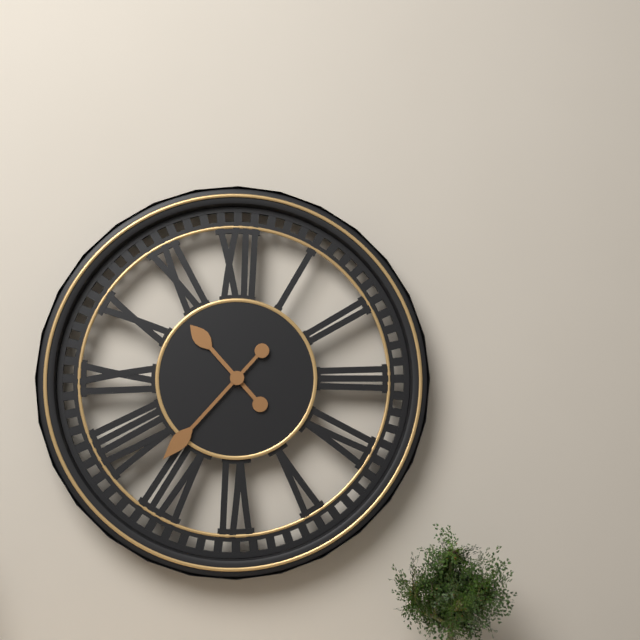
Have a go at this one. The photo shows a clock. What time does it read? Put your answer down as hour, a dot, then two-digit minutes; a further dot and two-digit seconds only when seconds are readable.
10.37
